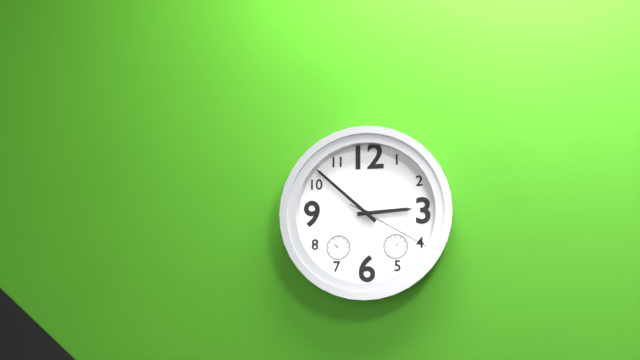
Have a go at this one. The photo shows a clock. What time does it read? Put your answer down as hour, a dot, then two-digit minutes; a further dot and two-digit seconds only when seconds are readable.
2.52.20
